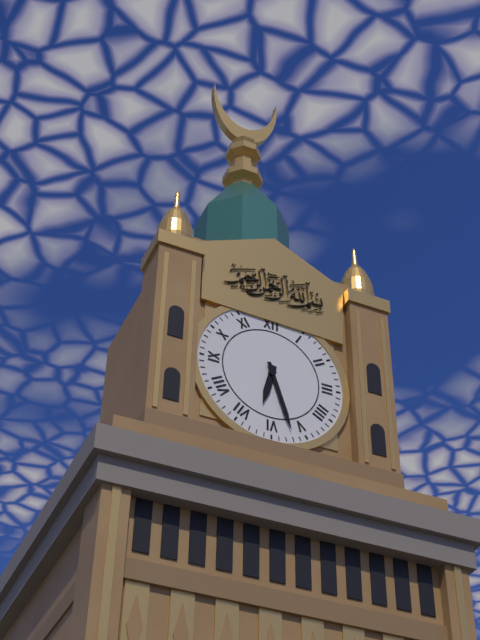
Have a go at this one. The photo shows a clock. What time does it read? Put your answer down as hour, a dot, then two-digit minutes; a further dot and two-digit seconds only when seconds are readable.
6.27
